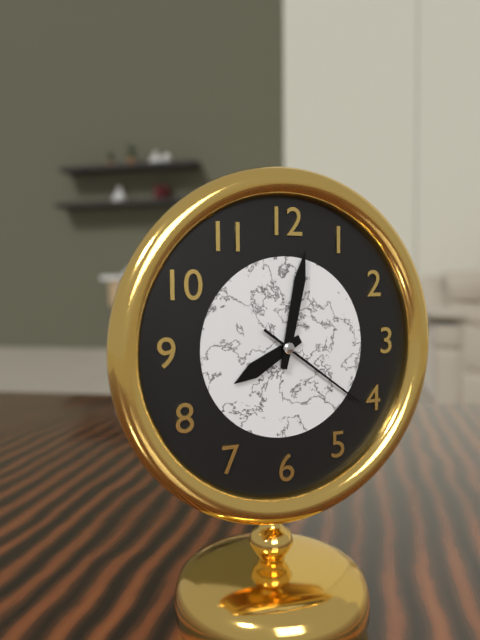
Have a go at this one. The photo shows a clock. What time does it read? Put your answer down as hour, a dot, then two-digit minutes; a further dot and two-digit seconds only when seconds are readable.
8.02.21
